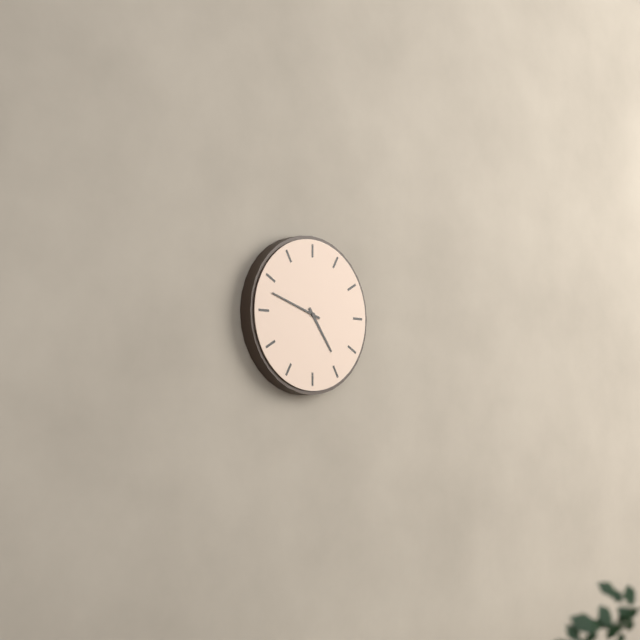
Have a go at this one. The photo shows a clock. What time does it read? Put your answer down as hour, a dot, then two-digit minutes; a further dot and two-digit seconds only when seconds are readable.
4.48
